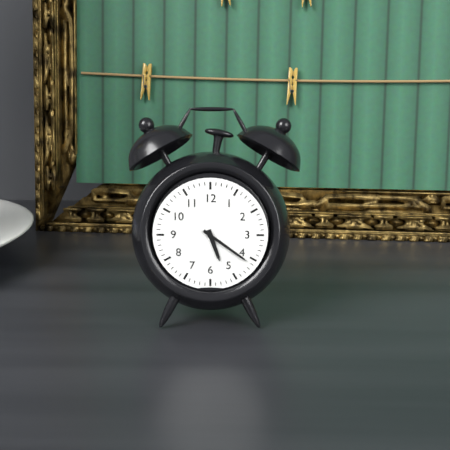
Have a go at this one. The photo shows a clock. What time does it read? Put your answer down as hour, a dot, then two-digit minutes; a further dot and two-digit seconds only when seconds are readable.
5.21
